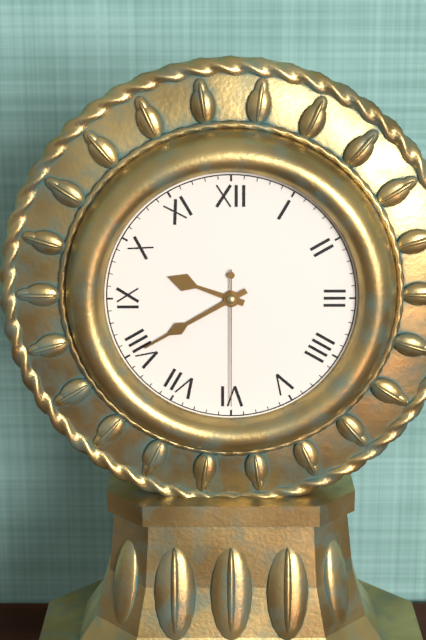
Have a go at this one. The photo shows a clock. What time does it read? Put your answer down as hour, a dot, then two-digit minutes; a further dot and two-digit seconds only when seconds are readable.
9.40.30
